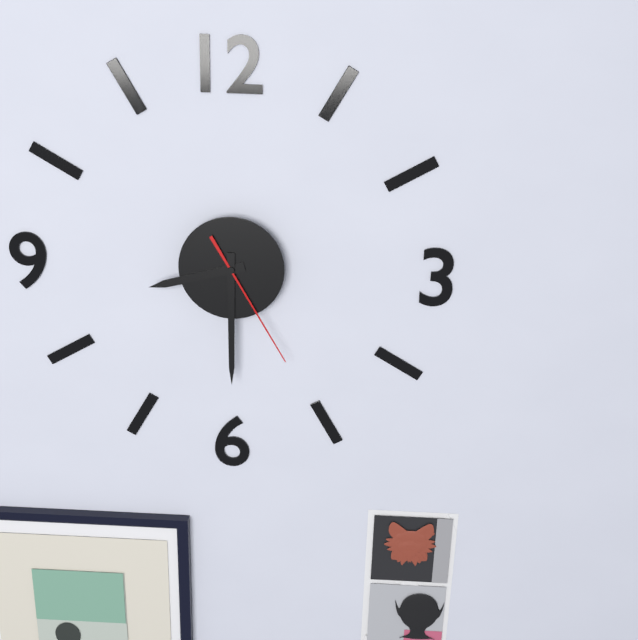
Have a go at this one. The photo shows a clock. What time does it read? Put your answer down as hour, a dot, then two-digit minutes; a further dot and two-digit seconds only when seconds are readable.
8.30.25
